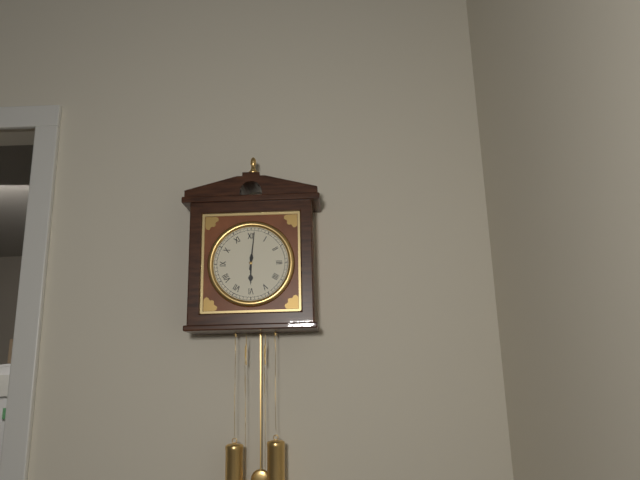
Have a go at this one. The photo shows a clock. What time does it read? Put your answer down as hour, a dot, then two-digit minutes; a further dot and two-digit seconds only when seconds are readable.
6.01
